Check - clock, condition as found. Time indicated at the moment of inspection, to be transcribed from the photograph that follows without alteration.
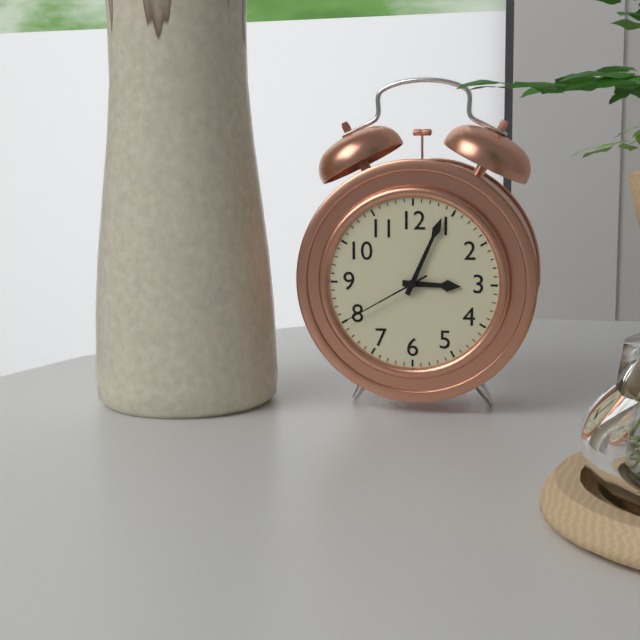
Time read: 3:04:40
